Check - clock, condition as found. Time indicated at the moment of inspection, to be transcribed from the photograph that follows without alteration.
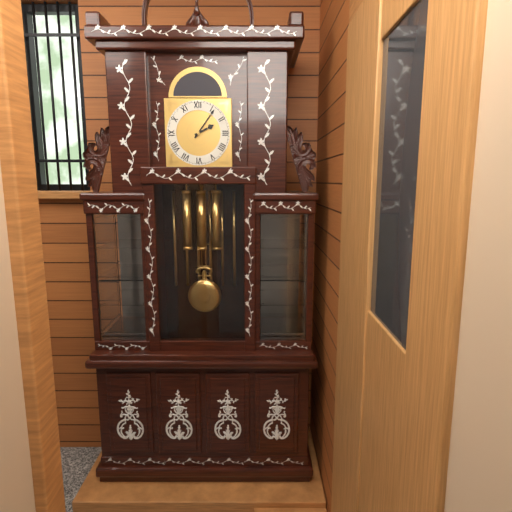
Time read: 2:06
